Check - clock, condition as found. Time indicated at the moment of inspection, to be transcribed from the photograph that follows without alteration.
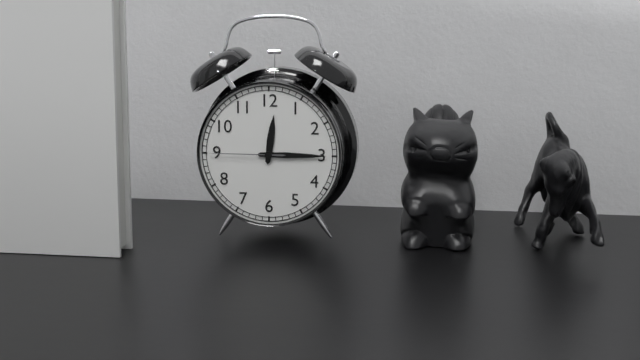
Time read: 12:15:45
